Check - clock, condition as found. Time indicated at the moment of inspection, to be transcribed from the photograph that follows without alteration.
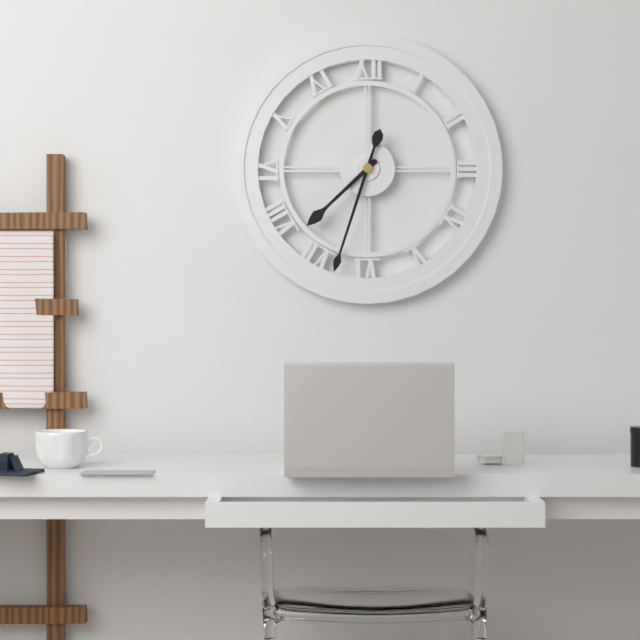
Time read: 7:33
